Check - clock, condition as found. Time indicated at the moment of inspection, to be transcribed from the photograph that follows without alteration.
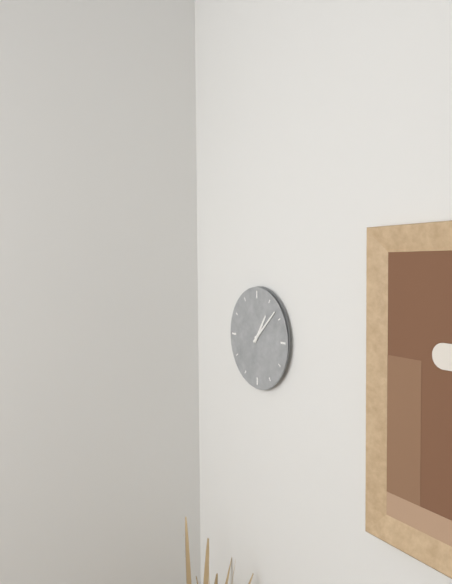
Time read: 1:08
